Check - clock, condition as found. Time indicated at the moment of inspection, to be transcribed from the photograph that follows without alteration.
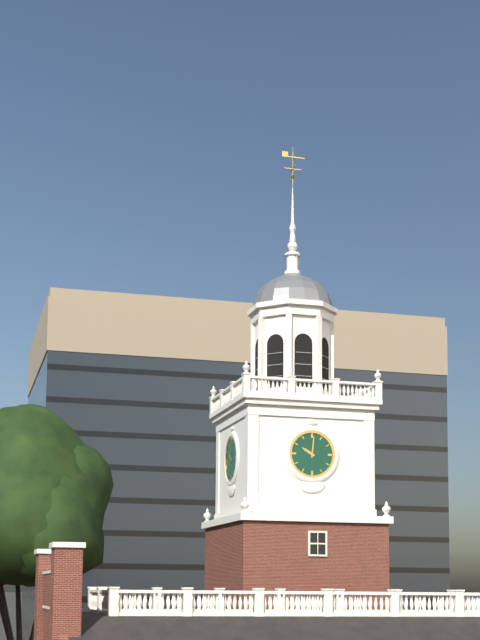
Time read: 10:01
